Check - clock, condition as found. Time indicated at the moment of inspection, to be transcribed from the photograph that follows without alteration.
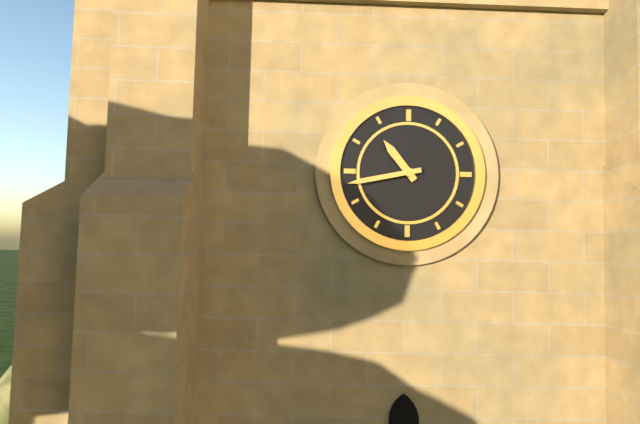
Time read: 10:43
